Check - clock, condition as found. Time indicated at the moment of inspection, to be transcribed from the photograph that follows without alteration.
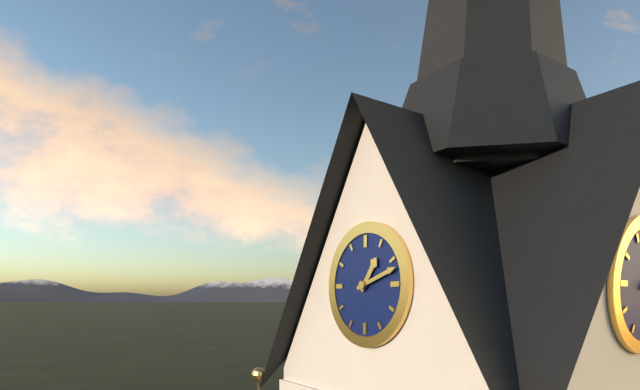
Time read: 1:12
